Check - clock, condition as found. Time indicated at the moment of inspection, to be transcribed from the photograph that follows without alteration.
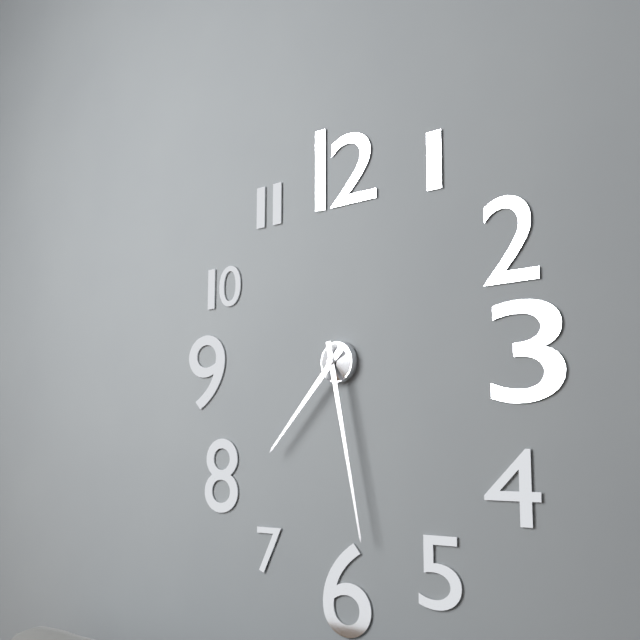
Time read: 7:28
